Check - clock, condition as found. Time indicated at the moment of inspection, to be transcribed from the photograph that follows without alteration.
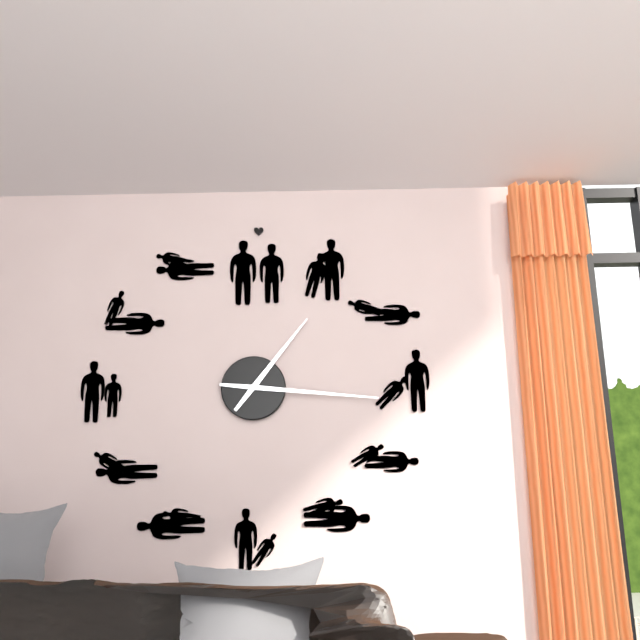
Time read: 1:16
